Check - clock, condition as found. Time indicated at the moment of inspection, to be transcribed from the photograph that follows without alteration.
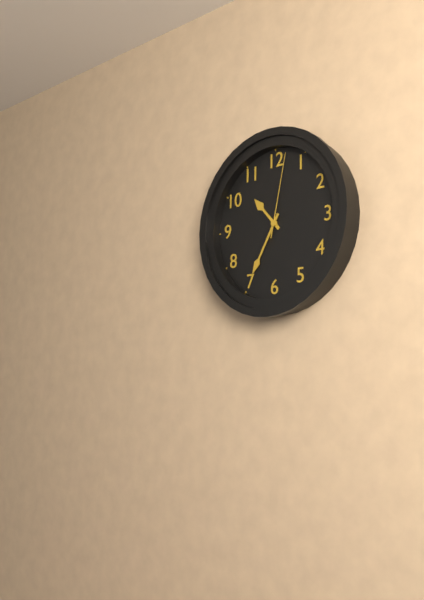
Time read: 10:35:02
